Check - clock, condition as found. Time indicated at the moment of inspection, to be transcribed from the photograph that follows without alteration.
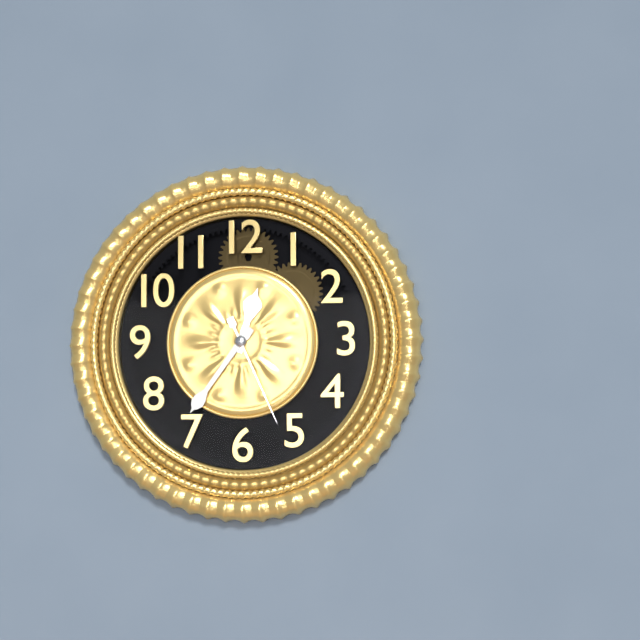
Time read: 12:36:26
